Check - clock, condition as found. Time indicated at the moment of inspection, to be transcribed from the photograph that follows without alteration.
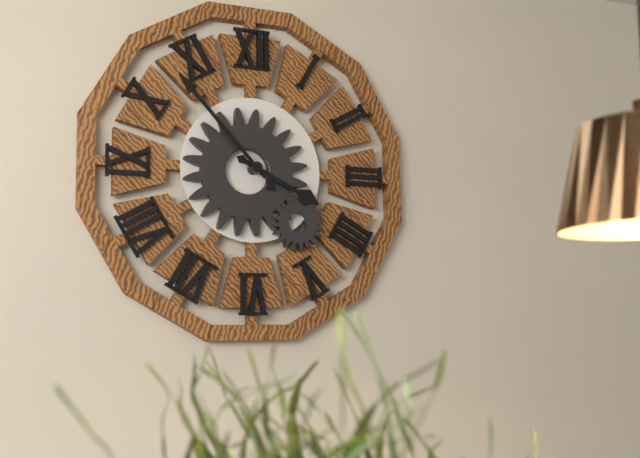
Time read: 3:53
